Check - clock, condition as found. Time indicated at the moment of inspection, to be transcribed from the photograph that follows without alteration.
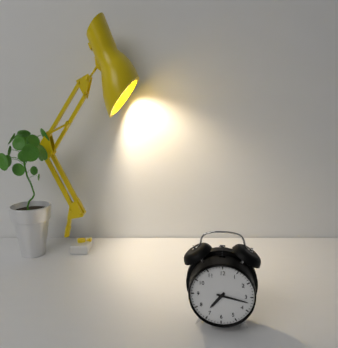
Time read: 7:17
